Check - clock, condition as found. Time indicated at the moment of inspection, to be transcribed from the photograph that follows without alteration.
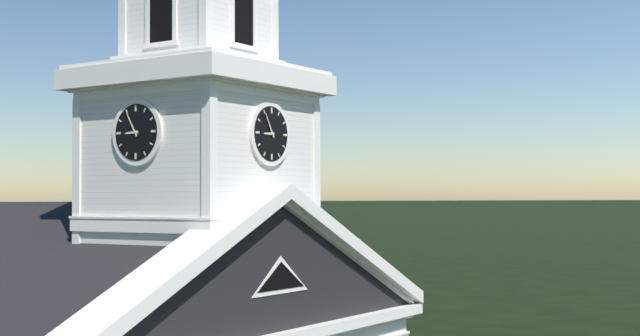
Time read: 8:55
